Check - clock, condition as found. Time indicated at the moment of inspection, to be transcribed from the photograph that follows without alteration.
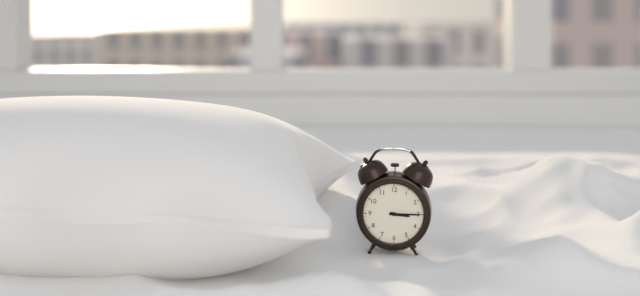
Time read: 3:15
